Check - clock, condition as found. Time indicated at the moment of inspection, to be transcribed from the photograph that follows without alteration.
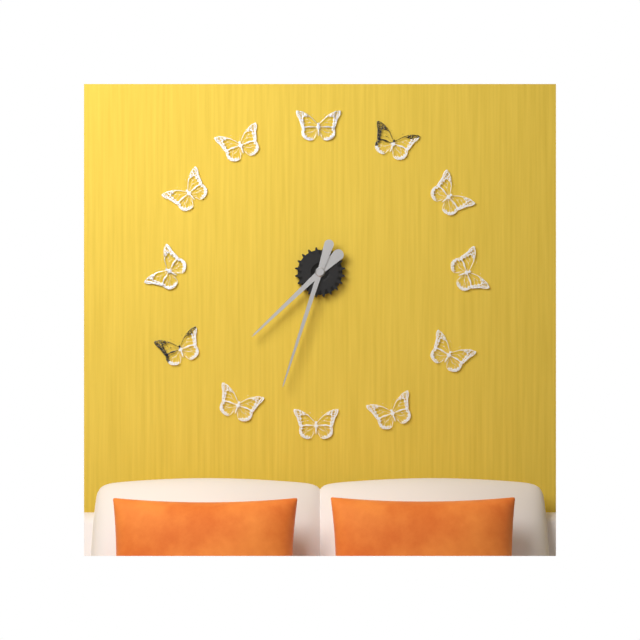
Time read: 7:33
